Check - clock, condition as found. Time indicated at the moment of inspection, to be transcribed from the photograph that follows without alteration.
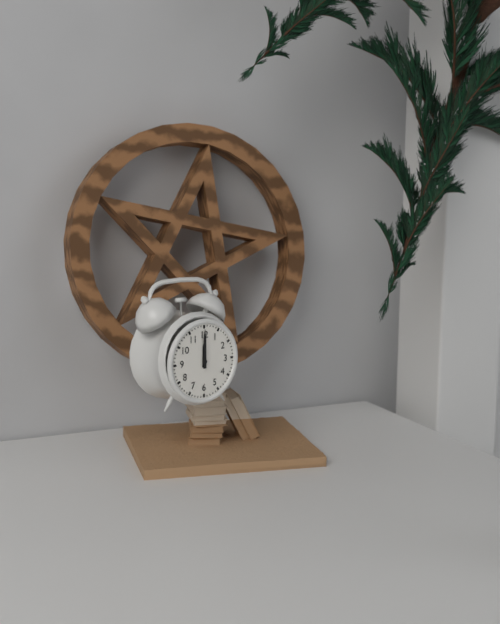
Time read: 12:00
